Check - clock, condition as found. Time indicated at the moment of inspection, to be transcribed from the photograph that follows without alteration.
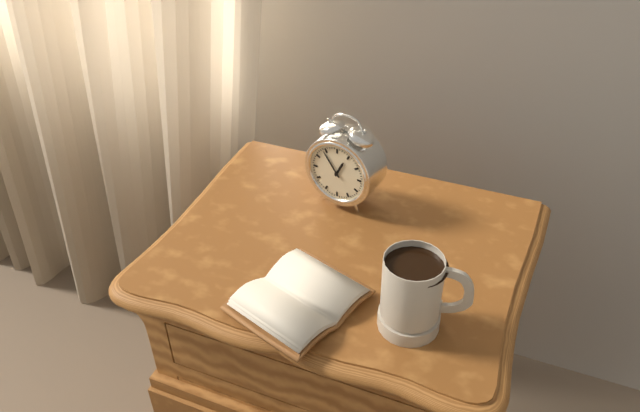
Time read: 12:54
